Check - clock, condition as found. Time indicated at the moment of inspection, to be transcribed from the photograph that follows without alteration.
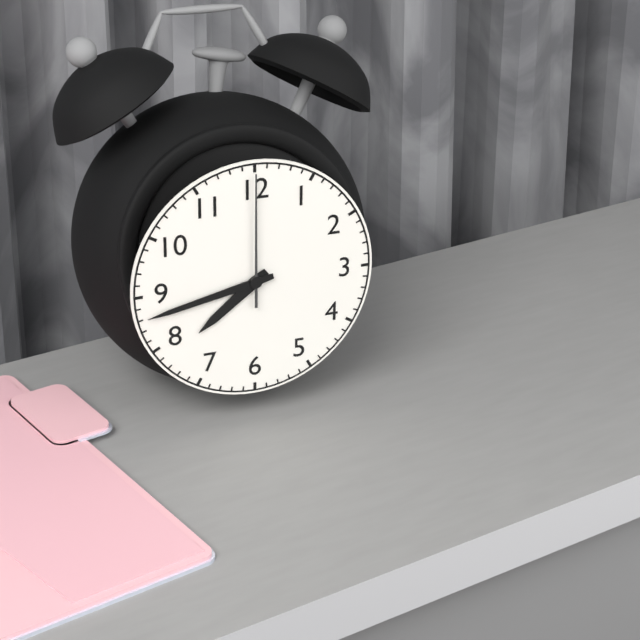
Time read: 7:43:00
